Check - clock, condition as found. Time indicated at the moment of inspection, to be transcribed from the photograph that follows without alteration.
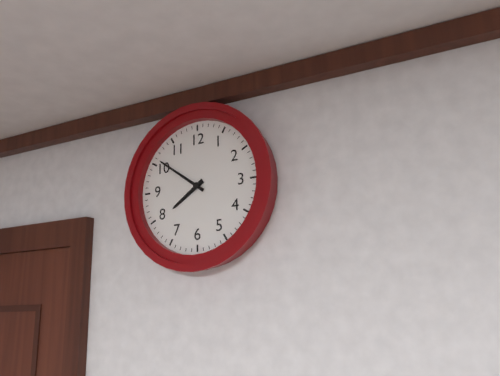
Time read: 7:51
